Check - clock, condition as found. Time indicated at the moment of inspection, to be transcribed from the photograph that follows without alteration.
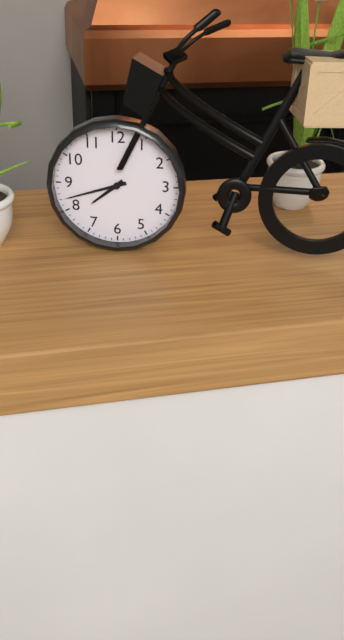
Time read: 7:42
